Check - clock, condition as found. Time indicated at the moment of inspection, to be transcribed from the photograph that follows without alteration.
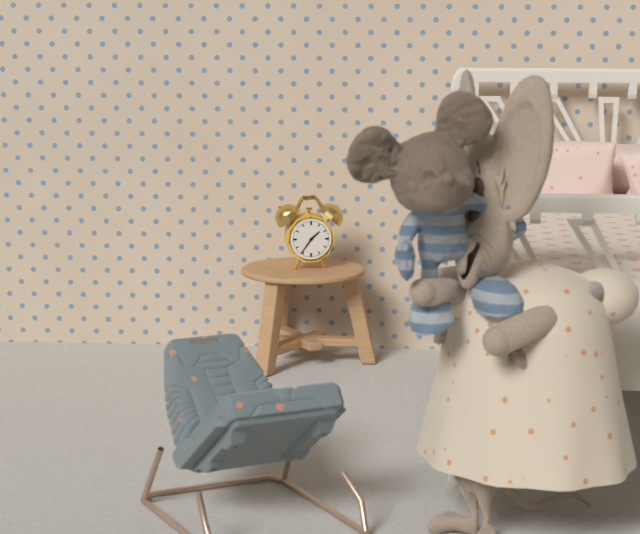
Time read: 1:36
